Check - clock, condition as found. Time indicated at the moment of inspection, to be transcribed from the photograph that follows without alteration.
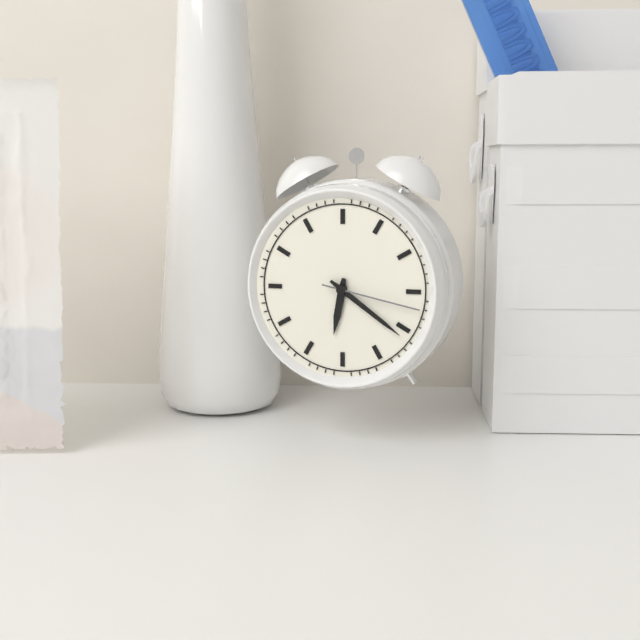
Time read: 6:21:17
